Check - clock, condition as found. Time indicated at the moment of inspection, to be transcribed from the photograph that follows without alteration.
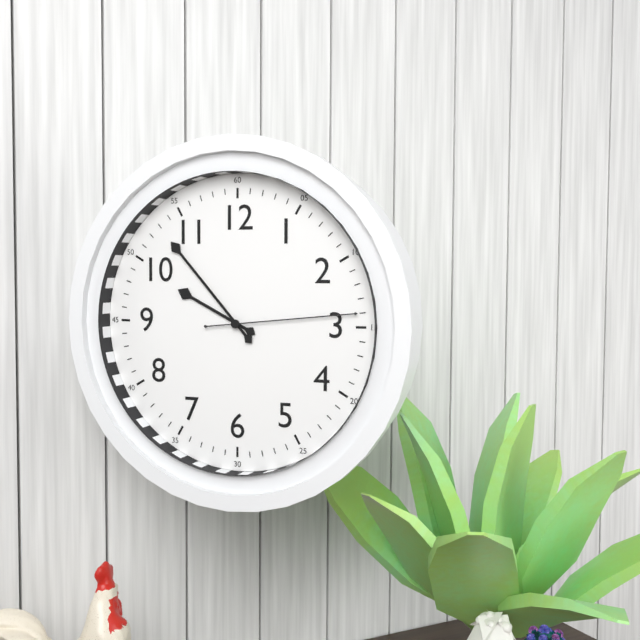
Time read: 9:53:14
